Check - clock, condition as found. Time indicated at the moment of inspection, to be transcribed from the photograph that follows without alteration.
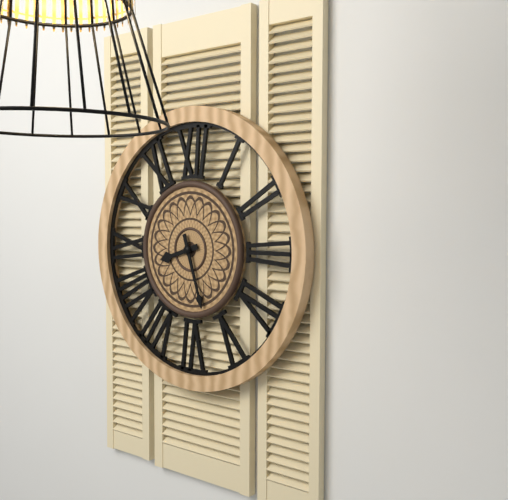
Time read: 8:27
